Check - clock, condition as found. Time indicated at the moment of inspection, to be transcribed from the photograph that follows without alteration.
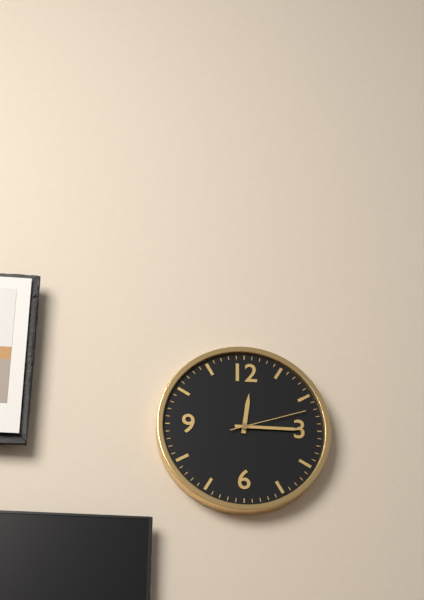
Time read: 12:15:12
